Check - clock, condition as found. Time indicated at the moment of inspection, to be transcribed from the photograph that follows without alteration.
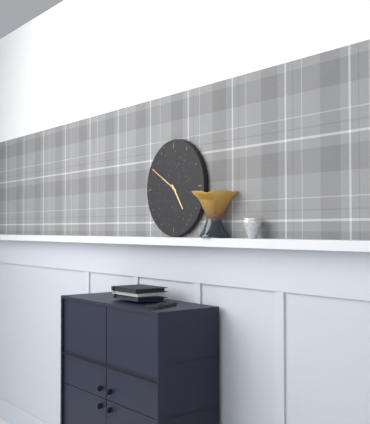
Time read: 4:50
